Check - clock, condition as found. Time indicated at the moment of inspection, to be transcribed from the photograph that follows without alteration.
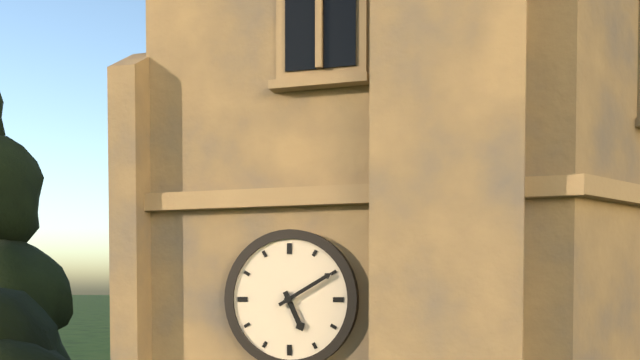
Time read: 5:10
